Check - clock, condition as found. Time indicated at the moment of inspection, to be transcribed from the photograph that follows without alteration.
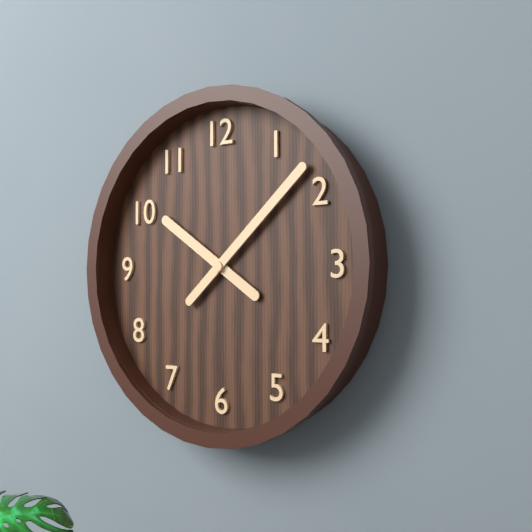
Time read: 10:08
